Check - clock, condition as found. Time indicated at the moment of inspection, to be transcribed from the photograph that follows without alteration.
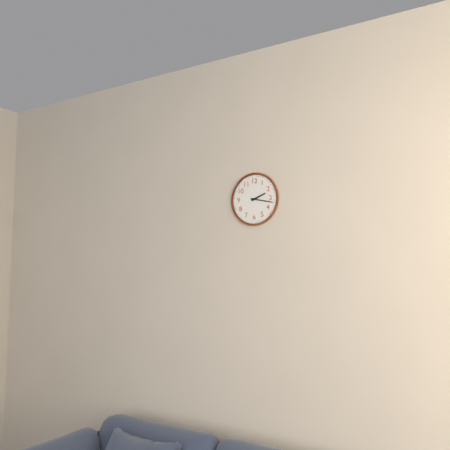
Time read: 2:17
